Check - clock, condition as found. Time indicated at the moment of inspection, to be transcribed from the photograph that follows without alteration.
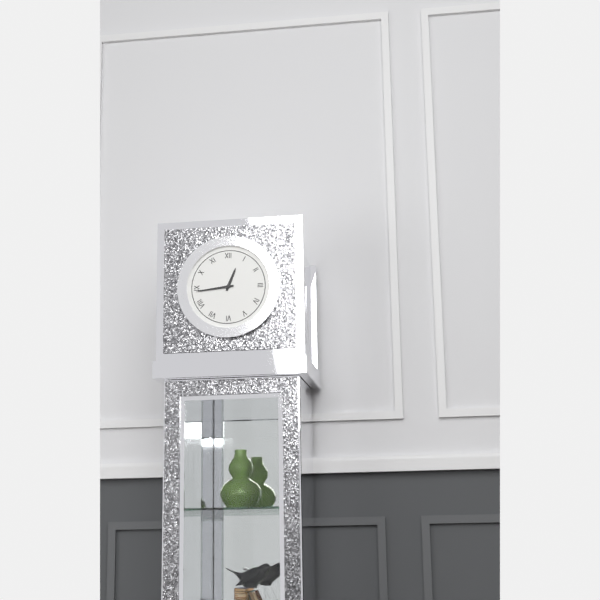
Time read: 12:44
